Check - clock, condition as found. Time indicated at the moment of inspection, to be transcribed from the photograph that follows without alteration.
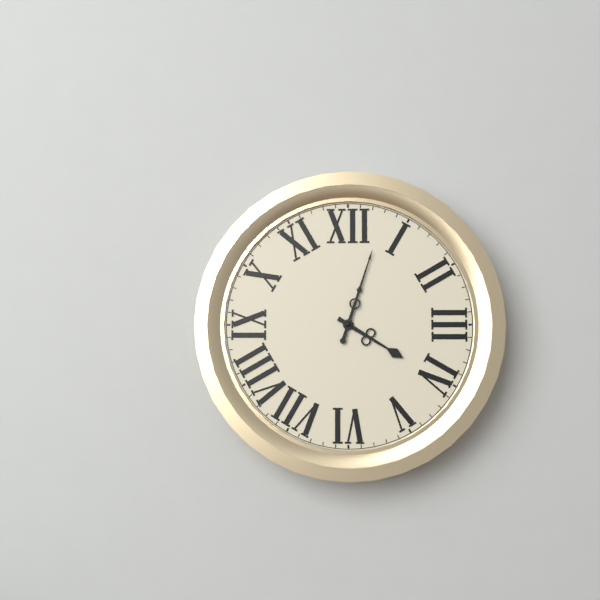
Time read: 4:03
